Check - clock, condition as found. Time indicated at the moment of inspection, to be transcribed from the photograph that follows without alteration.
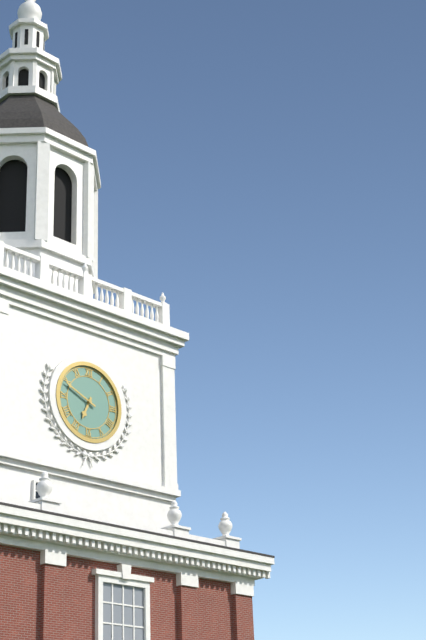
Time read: 6:49
